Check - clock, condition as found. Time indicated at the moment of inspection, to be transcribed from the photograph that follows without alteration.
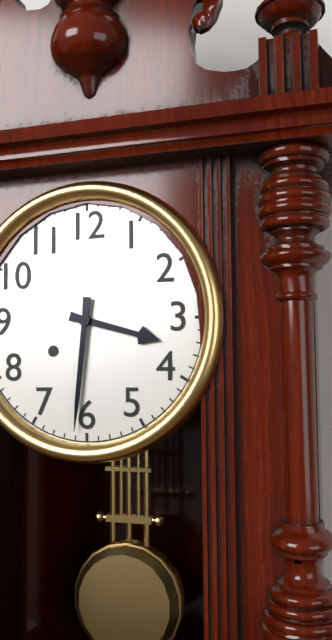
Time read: 3:31
